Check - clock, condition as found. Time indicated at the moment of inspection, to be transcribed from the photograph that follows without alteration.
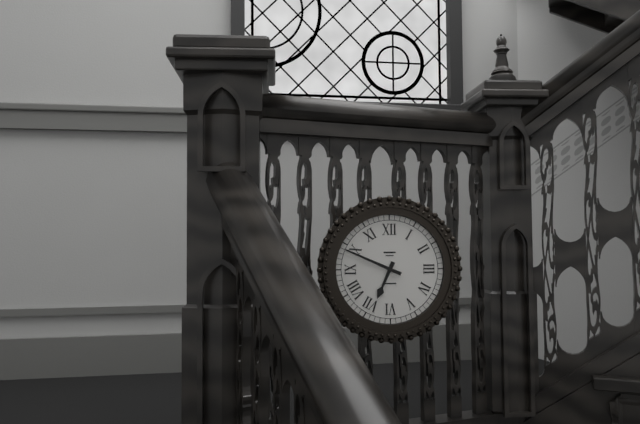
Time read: 6:49
